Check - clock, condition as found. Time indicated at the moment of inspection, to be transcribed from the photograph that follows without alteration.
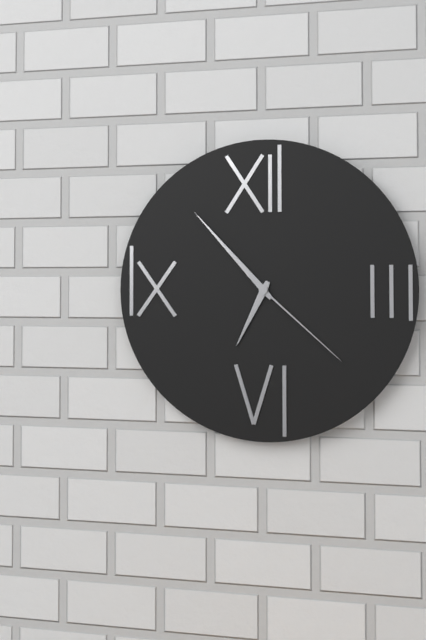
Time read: 6:53:22
